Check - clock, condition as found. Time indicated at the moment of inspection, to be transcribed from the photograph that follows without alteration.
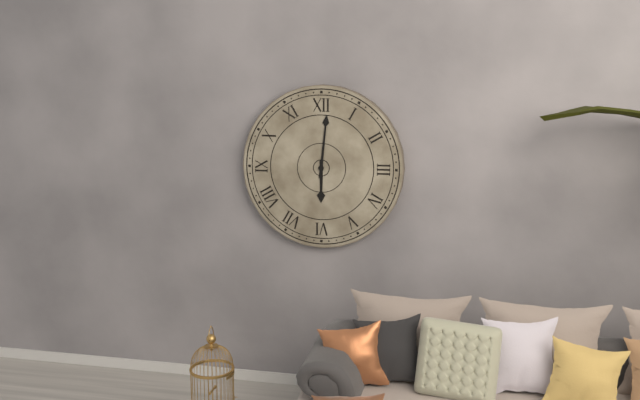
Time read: 6:01
